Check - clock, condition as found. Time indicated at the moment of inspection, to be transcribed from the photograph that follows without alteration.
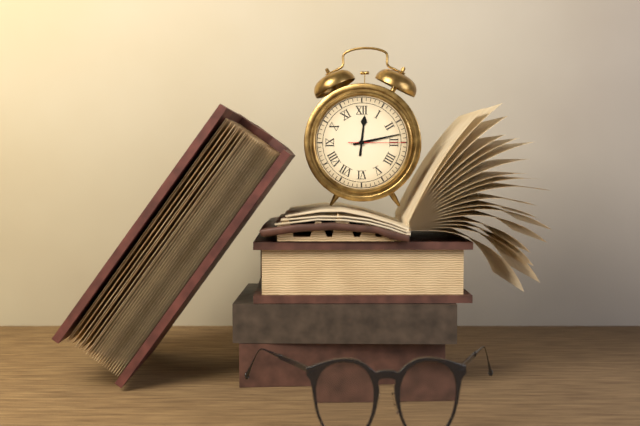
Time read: 12:13:15
